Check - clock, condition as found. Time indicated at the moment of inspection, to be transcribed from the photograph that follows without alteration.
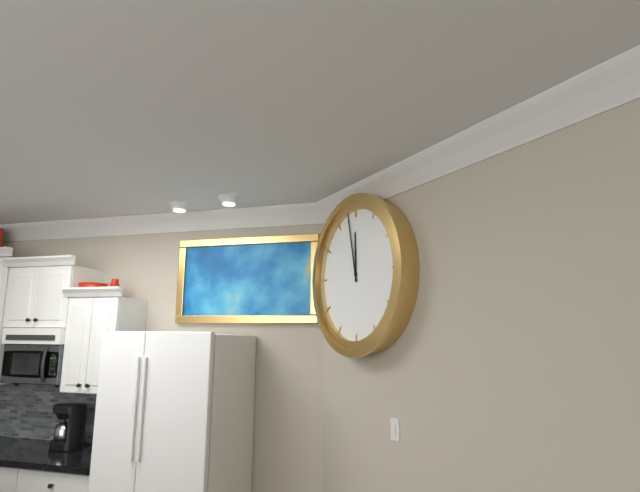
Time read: 11:58
